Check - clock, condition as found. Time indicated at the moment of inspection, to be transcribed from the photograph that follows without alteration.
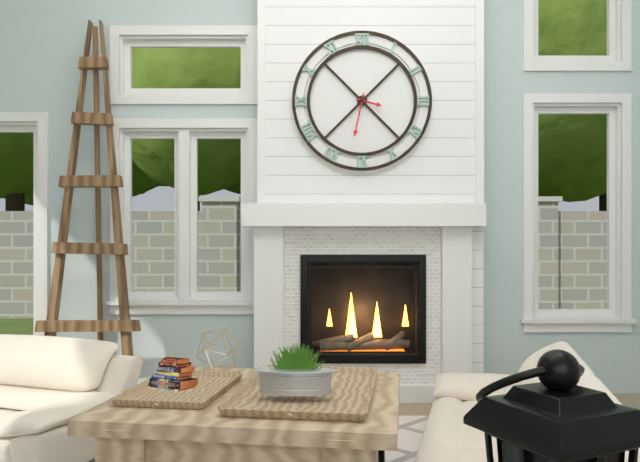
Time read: 3:32
